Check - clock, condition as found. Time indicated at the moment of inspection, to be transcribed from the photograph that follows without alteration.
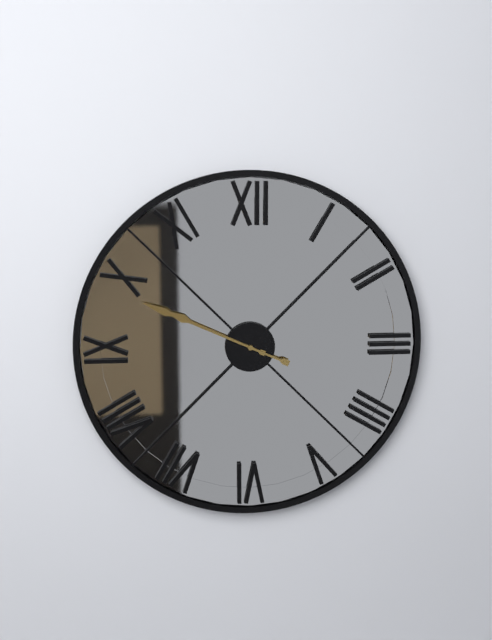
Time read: 9:49
